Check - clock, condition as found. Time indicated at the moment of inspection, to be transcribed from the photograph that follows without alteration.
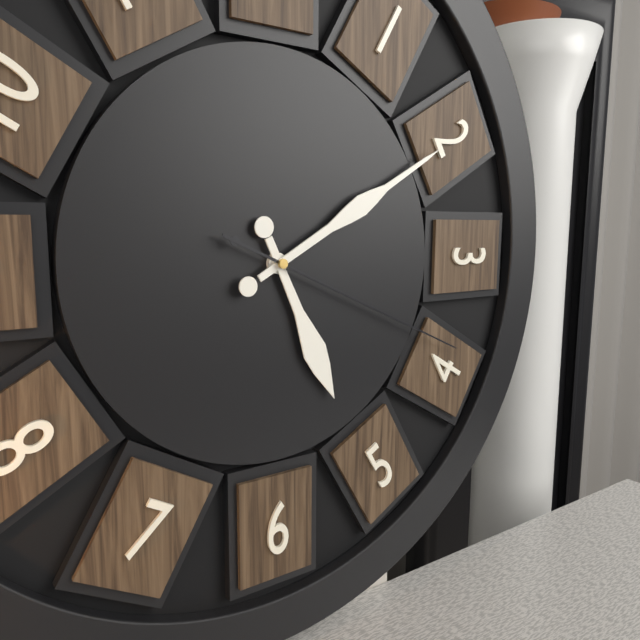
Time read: 5:10:19
